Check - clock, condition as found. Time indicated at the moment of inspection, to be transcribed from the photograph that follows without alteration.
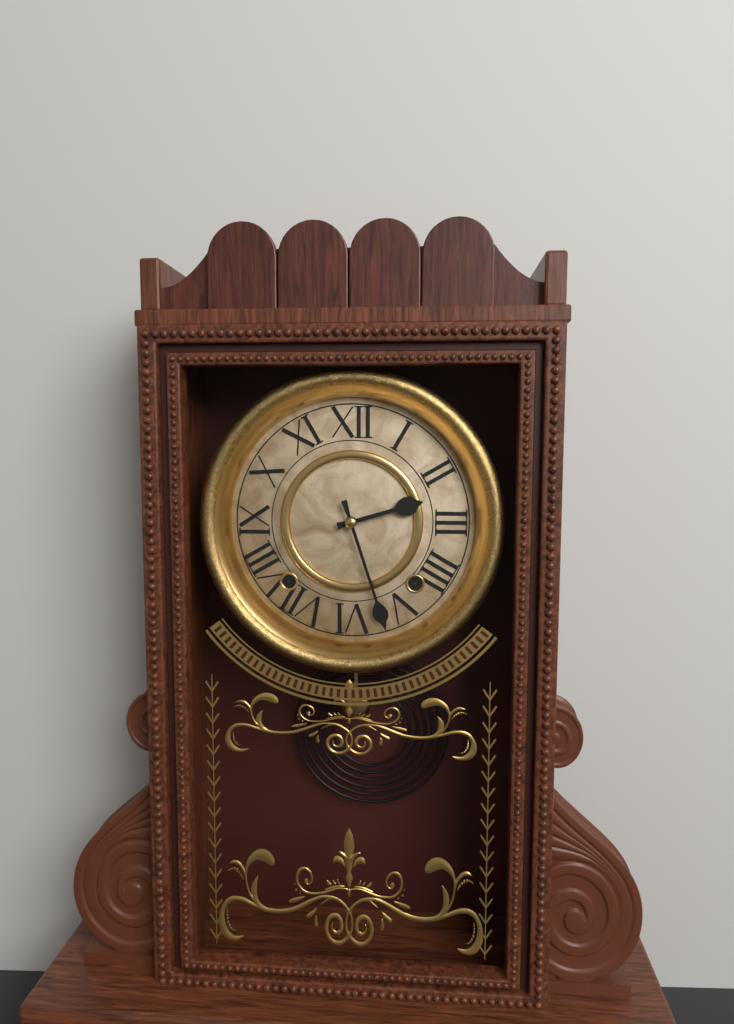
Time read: 2:27
